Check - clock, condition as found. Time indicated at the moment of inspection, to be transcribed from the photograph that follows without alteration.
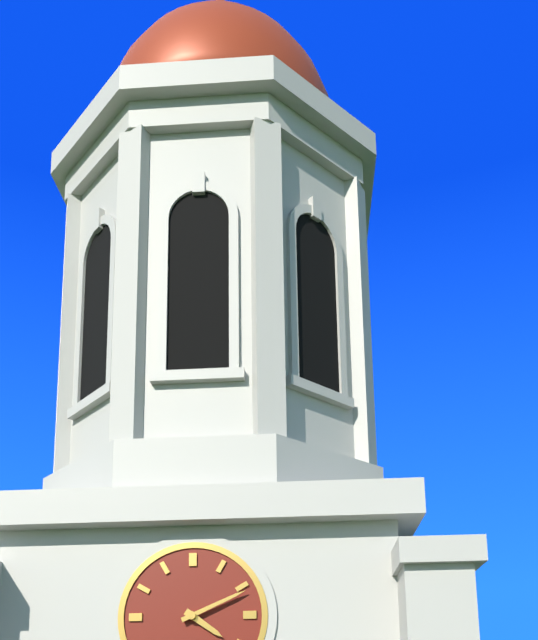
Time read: 4:11
